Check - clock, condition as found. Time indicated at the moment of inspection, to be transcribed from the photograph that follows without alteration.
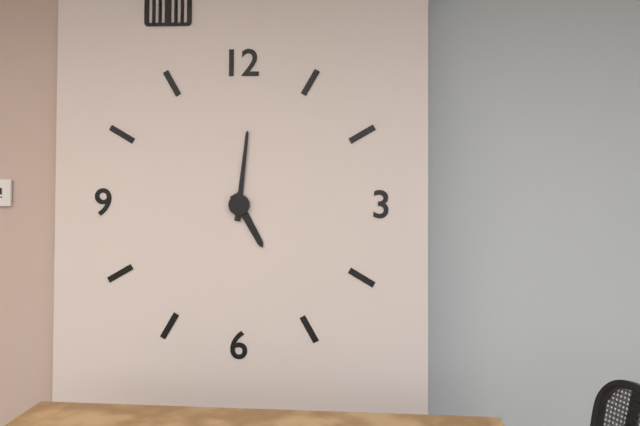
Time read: 5:01
